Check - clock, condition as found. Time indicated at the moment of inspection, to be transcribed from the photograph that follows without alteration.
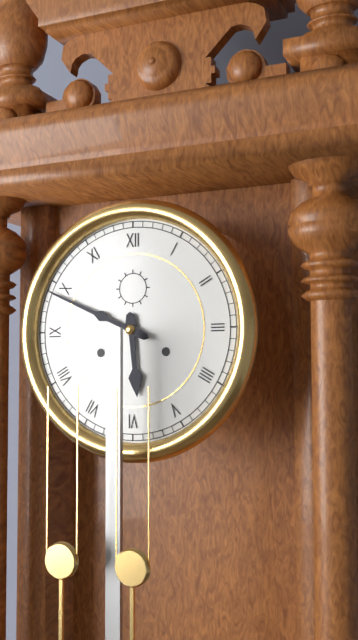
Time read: 5:49
